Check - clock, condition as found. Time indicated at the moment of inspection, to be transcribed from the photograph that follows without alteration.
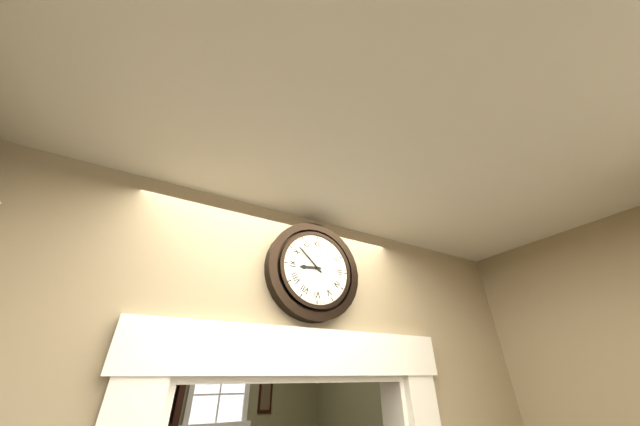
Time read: 8:52
